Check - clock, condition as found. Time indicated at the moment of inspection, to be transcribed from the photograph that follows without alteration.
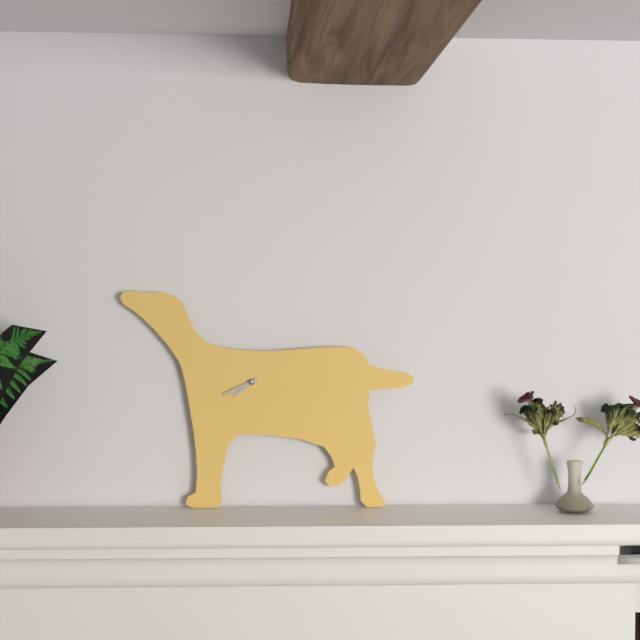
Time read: 7:41
